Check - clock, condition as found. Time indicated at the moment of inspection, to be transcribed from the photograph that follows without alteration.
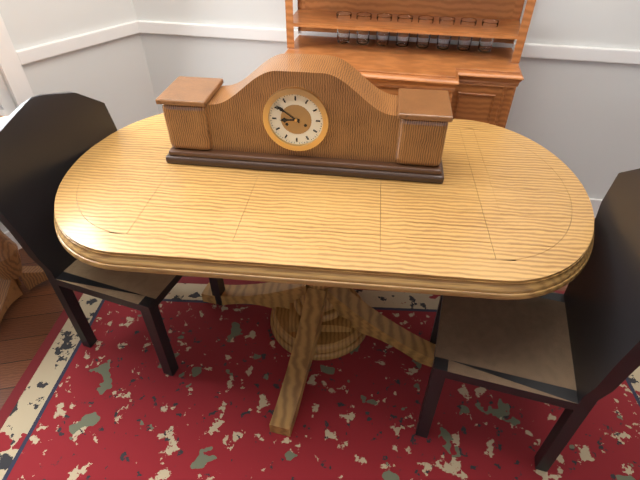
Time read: 8:51
